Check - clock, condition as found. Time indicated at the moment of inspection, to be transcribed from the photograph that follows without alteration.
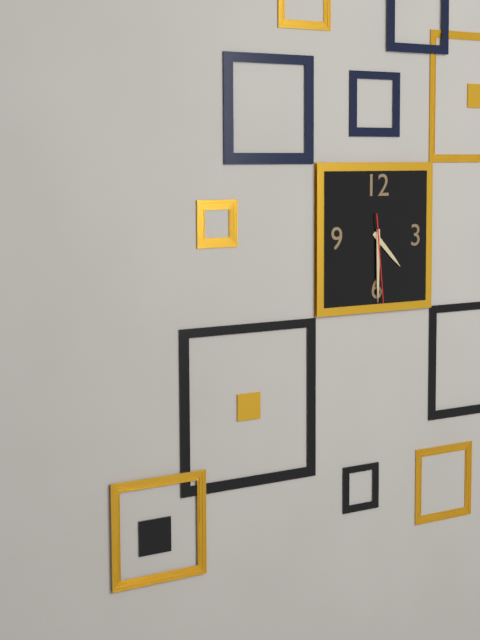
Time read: 4:30:29
